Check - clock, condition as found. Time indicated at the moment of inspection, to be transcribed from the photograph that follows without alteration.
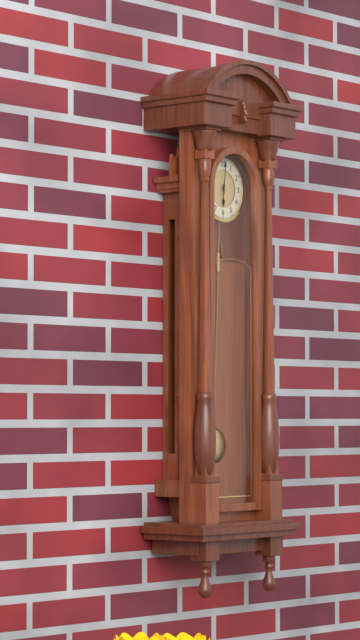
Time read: 6:01
